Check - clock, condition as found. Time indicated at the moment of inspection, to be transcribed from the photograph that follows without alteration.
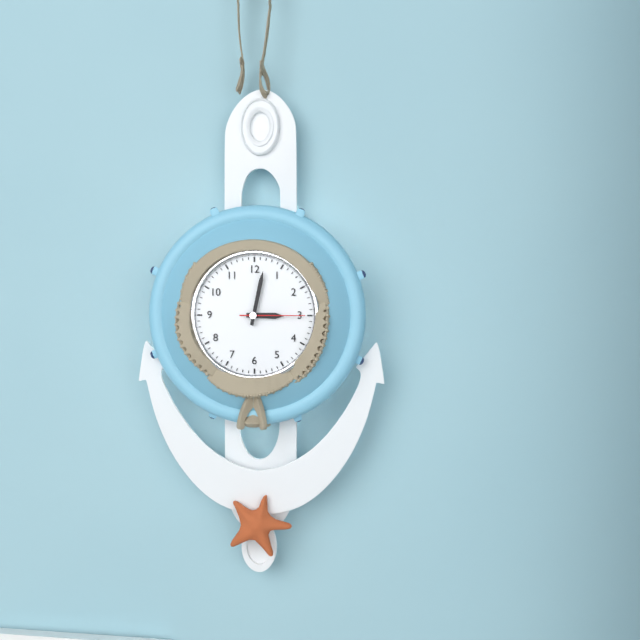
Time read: 3:02:15
